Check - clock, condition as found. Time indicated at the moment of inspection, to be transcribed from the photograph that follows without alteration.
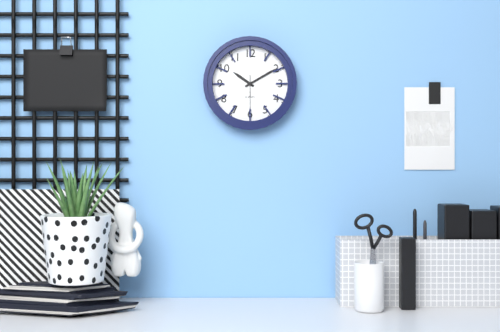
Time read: 10:10
